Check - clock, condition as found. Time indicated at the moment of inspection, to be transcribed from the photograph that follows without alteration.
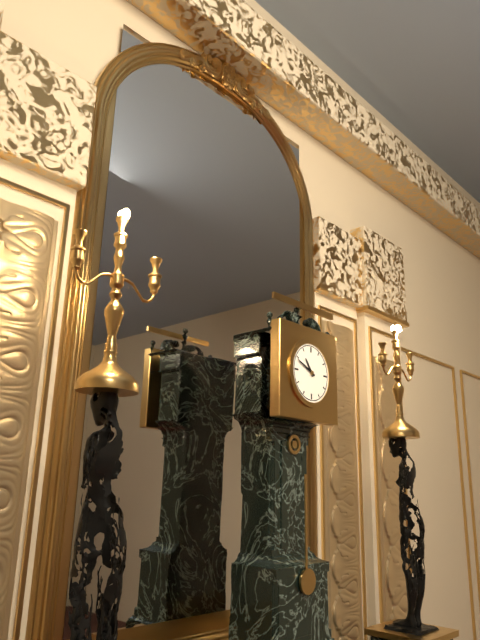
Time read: 10:49
